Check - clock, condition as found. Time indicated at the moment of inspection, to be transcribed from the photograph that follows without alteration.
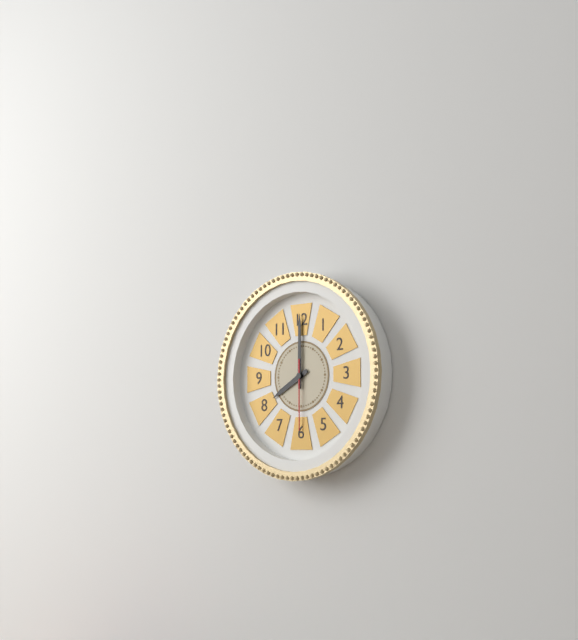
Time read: 8:00:30
